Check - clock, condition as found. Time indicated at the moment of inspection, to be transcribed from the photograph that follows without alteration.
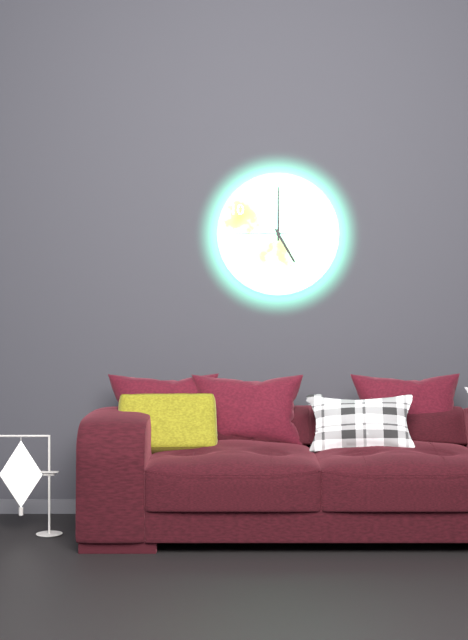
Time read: 5:00:45
